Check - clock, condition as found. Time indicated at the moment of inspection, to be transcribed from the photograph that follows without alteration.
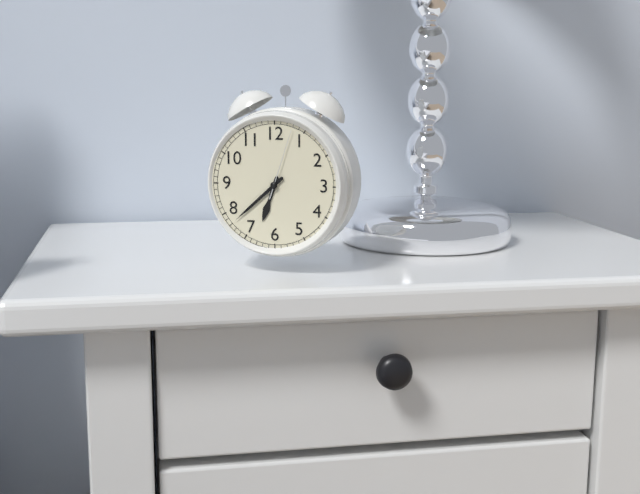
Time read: 6:38:03
